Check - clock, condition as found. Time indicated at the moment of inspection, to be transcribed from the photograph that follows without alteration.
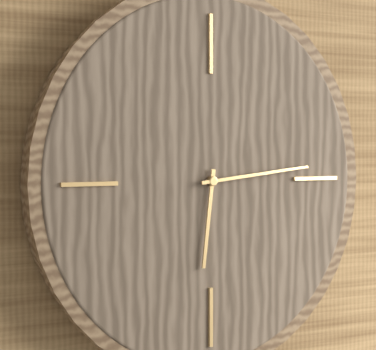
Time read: 6:14
